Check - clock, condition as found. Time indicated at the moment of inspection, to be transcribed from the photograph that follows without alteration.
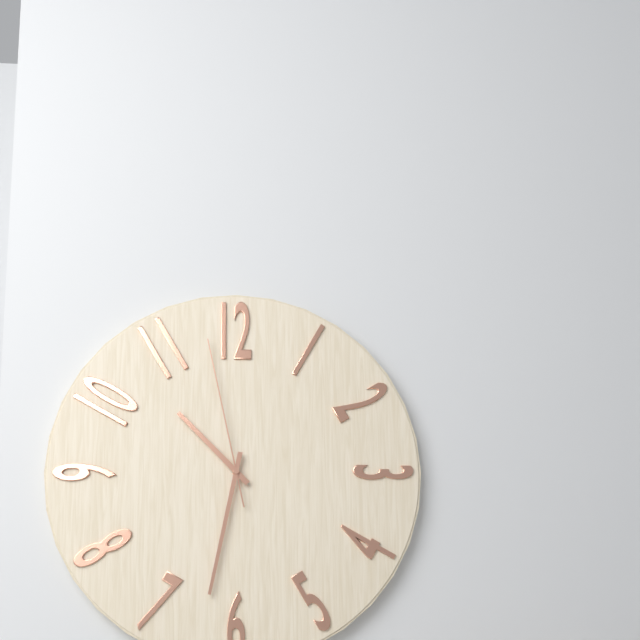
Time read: 10:32:58
